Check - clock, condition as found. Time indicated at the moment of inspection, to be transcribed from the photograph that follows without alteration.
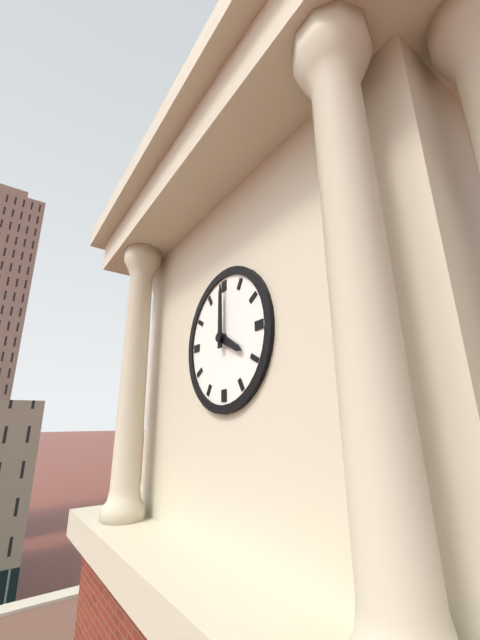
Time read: 4:00
